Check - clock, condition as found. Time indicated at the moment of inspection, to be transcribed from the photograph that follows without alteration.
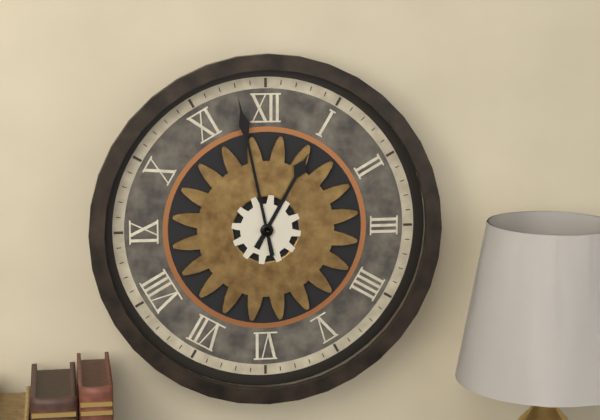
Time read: 12:58
